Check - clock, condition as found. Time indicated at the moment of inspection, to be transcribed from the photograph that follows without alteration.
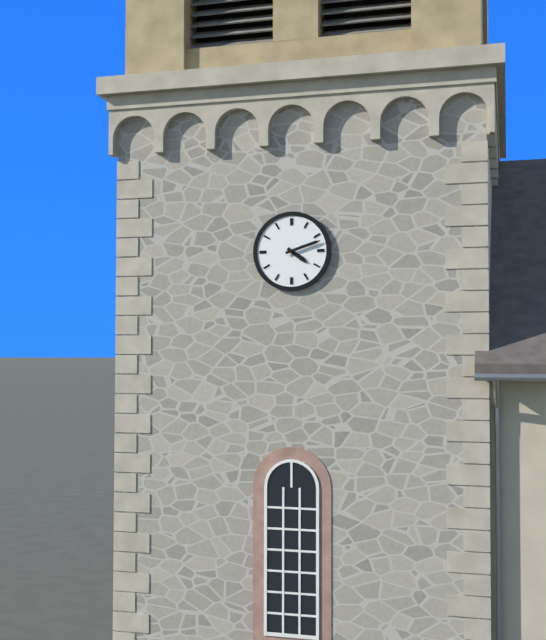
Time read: 4:12
